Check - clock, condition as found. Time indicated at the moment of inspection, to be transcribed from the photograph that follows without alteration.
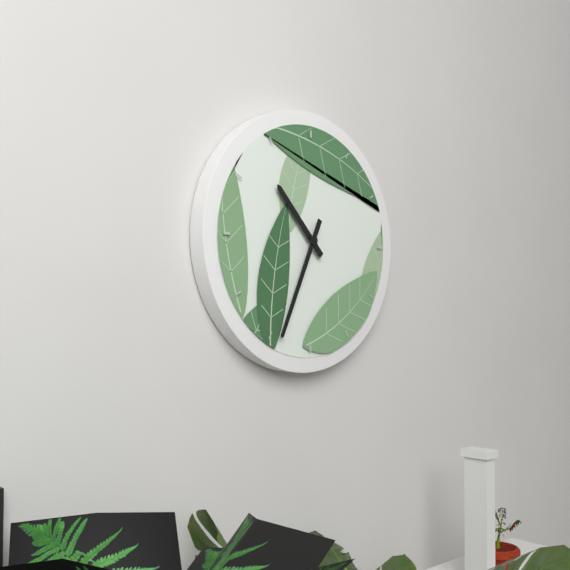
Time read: 10:34
